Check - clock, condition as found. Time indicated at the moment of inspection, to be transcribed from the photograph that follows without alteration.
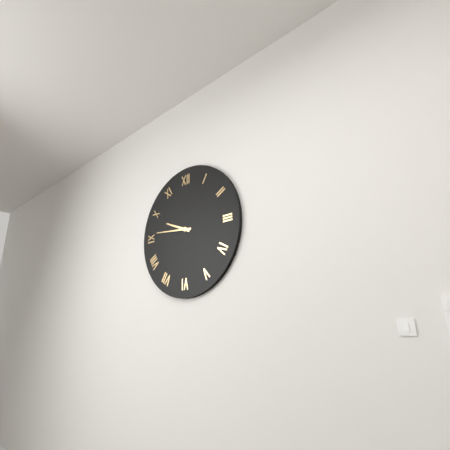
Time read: 9:46
